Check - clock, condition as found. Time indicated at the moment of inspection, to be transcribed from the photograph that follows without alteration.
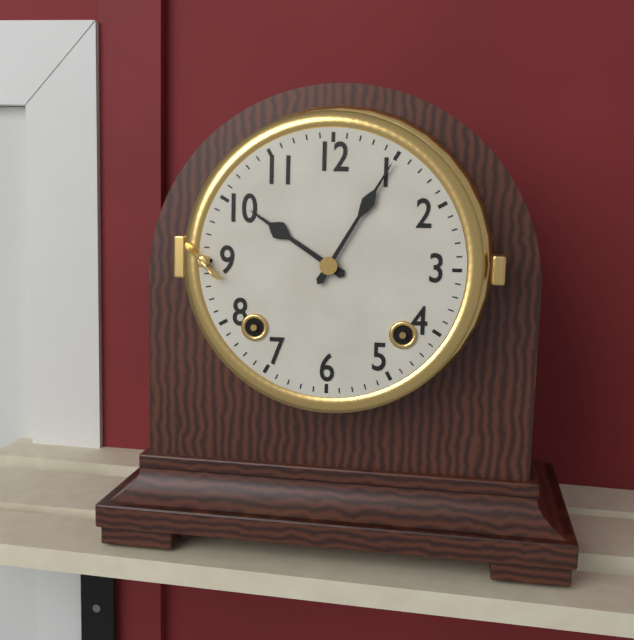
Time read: 10:05
